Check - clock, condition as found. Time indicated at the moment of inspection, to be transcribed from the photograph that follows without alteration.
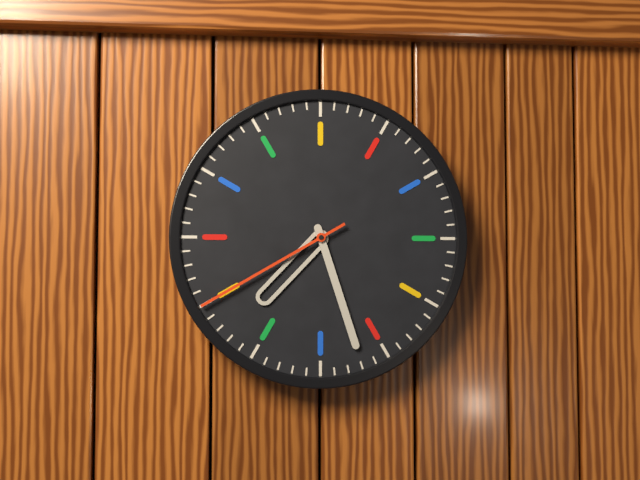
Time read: 7:27:40
